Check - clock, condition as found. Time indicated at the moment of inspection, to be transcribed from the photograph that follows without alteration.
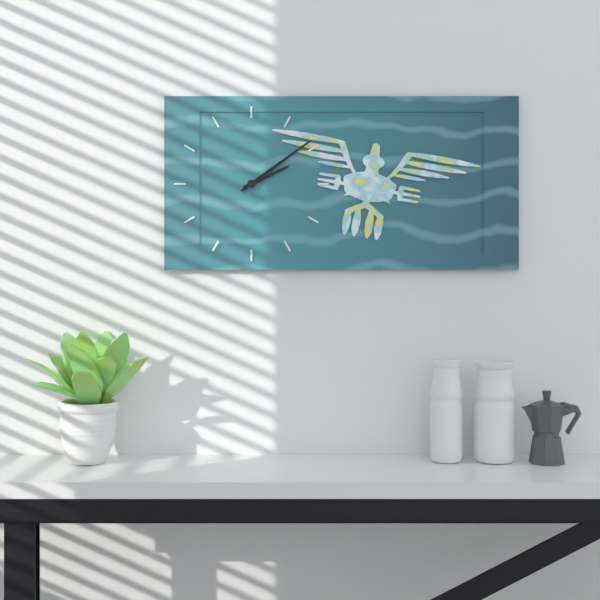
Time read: 2:09
